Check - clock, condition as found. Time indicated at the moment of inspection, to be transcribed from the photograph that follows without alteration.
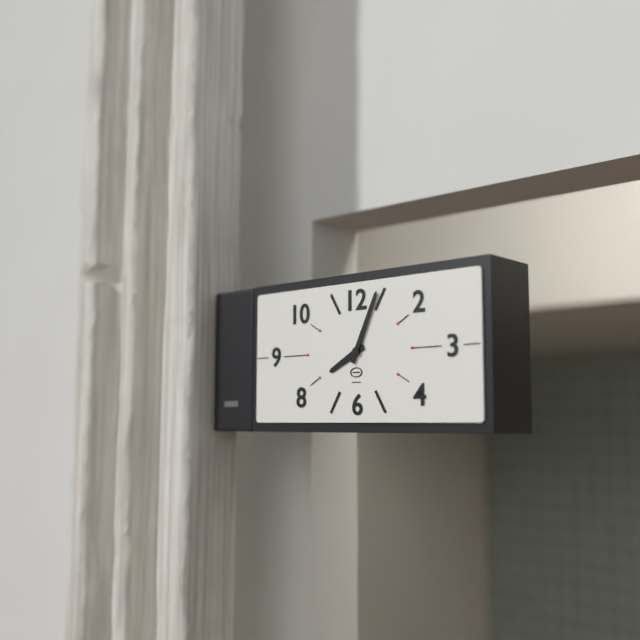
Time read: 8:04
